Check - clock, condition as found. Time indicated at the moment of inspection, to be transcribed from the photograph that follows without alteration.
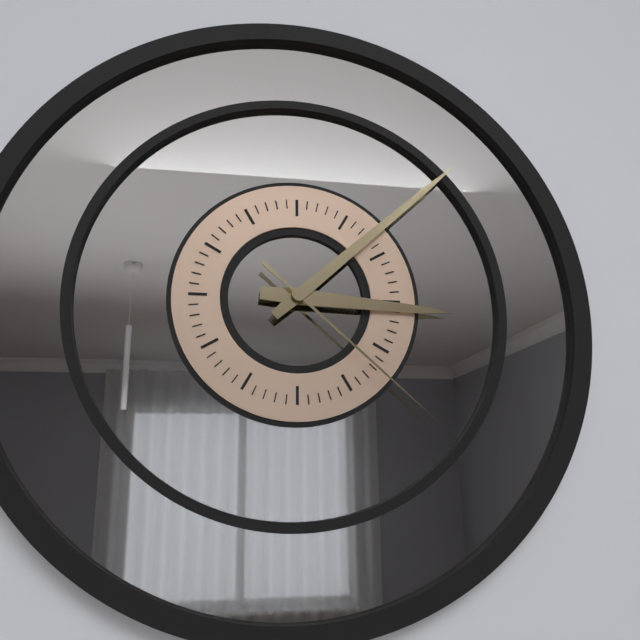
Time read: 3:08:22
